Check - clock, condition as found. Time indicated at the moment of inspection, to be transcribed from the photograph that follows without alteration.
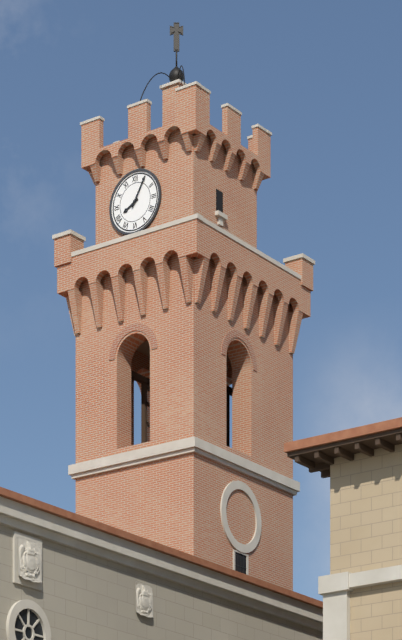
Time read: 8:05
